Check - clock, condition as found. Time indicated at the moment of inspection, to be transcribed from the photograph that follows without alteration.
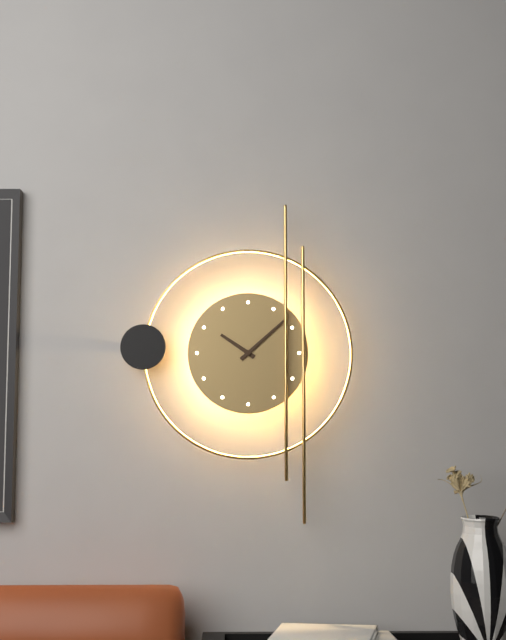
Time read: 10:08
